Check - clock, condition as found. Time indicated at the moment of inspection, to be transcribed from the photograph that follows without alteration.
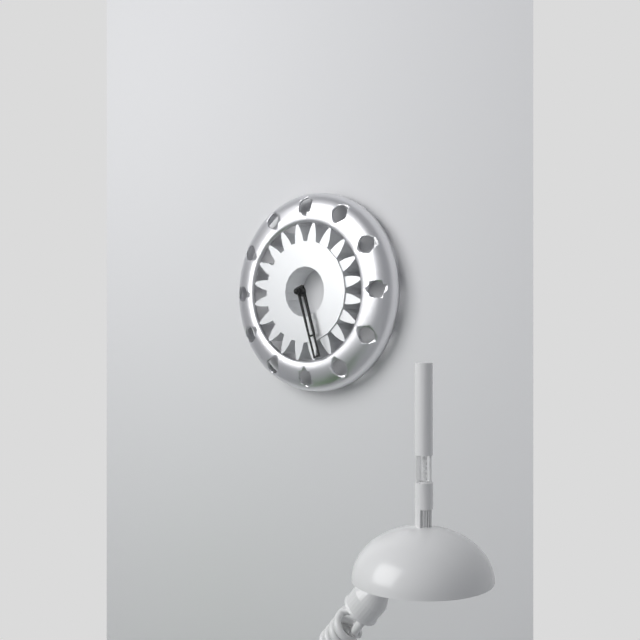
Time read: 5:27
